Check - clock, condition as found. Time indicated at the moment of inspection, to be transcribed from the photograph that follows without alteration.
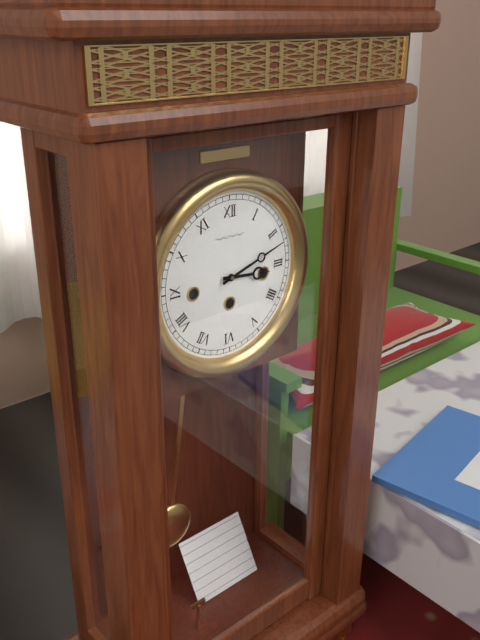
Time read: 3:12
